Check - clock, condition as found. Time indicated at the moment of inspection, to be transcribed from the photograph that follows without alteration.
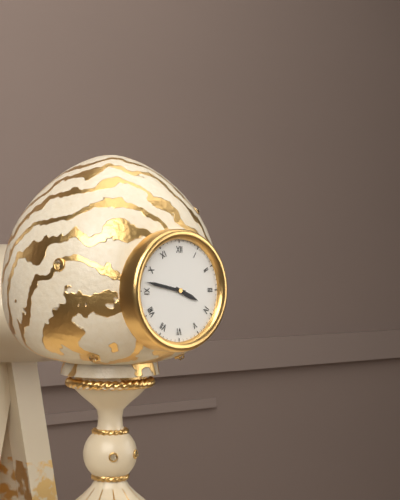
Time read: 3:47
